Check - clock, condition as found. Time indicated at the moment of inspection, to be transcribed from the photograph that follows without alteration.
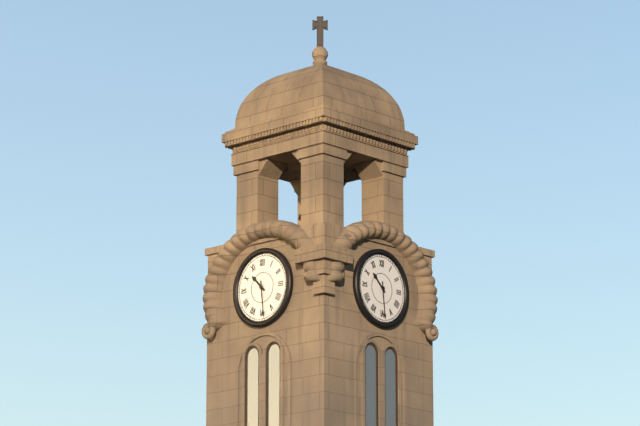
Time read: 10:29
